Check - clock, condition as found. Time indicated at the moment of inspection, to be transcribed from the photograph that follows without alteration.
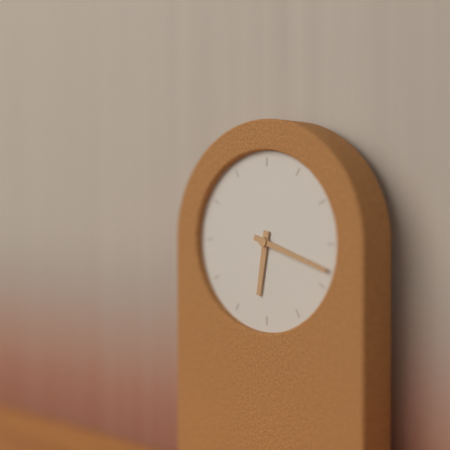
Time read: 6:18
